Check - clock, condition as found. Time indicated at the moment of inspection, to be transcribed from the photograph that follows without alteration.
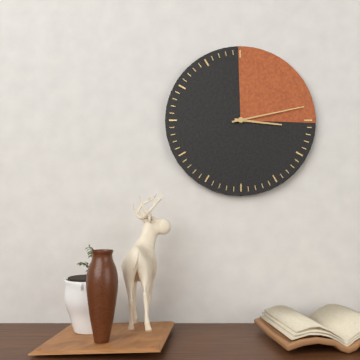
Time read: 3:13
